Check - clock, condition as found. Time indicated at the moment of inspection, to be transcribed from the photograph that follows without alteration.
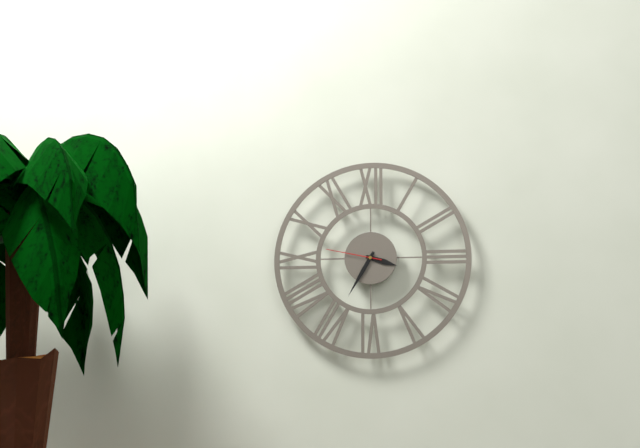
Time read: 3:35:47
